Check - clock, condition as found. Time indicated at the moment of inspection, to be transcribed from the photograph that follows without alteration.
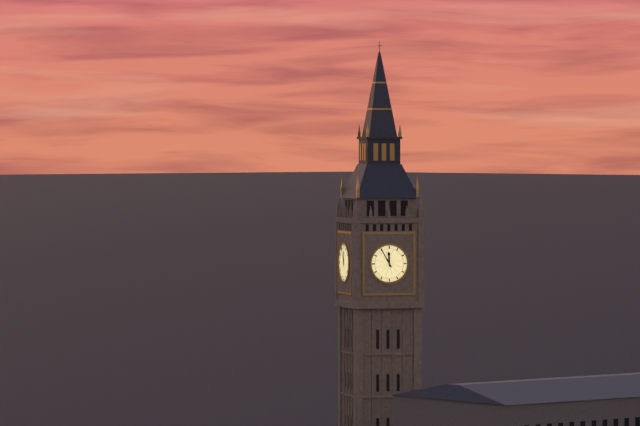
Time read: 11:55
